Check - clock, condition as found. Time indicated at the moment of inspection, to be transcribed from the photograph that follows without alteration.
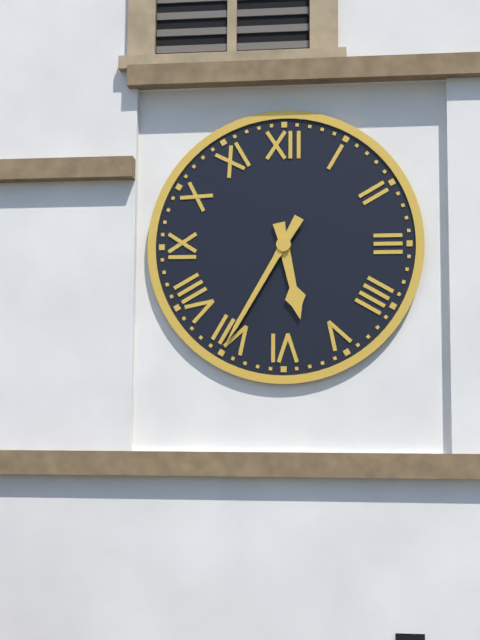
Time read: 5:35
